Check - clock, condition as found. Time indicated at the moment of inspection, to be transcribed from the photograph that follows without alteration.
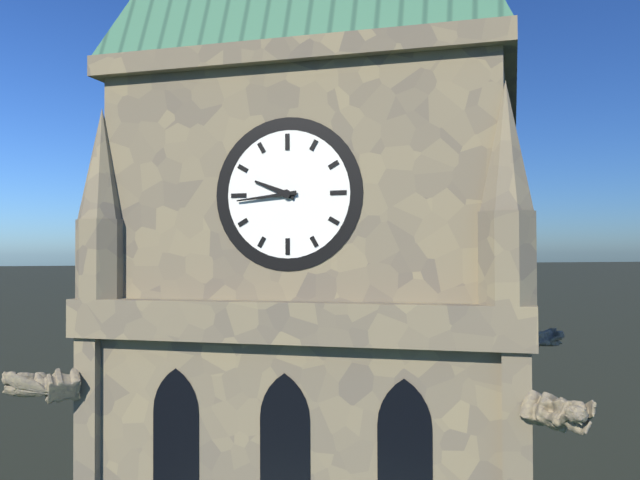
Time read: 9:44
